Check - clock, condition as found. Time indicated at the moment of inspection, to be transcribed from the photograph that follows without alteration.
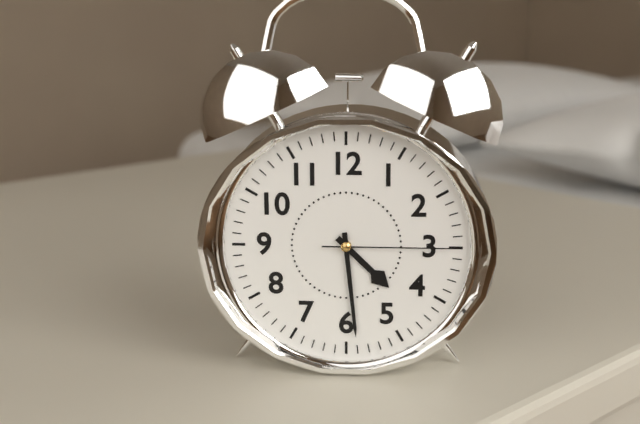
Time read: 4:29:15
